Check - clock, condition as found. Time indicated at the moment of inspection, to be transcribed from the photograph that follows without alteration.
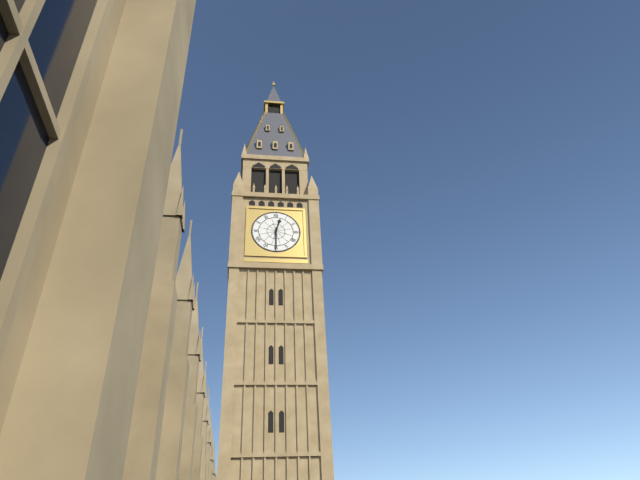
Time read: 12:30
